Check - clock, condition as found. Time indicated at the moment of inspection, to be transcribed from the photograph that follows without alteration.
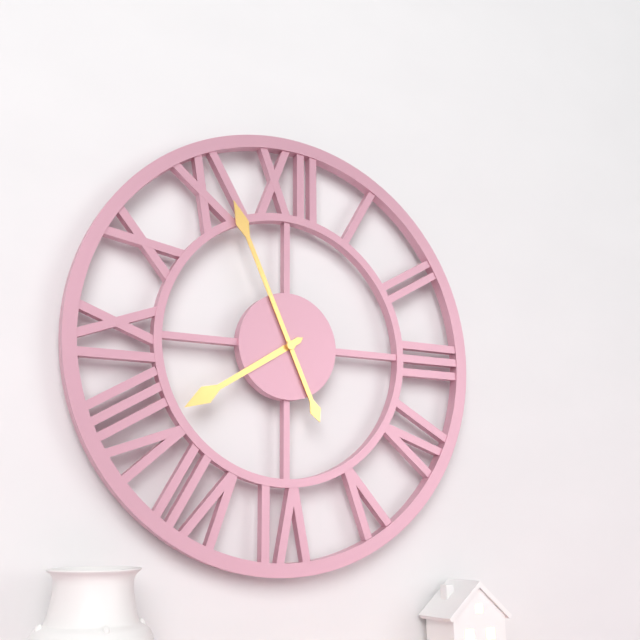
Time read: 7:56
